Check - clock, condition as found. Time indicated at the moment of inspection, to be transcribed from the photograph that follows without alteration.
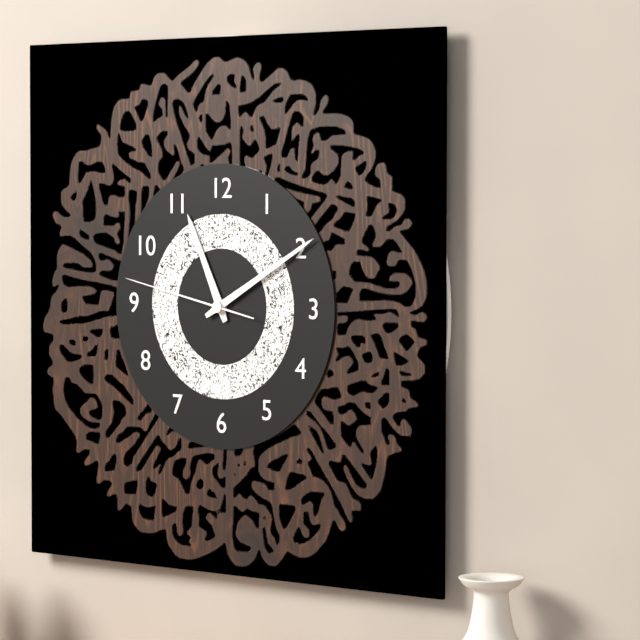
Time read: 11:10:47
